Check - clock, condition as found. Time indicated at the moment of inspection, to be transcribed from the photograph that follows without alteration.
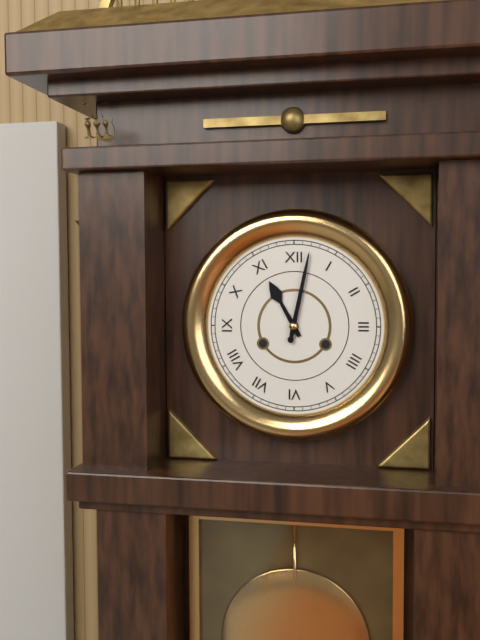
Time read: 11:02
